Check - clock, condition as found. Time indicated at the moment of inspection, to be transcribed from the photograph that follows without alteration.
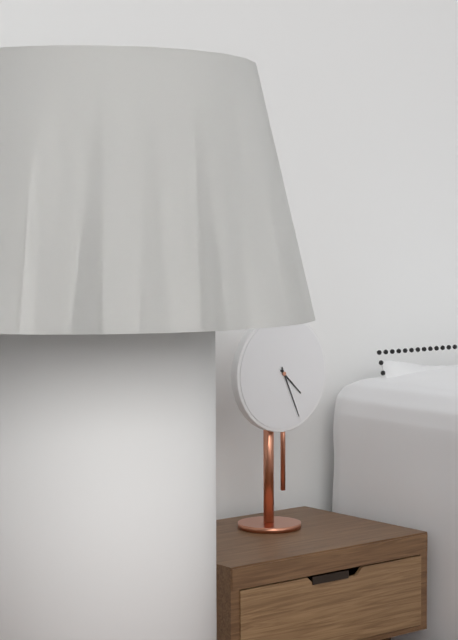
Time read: 4:26
